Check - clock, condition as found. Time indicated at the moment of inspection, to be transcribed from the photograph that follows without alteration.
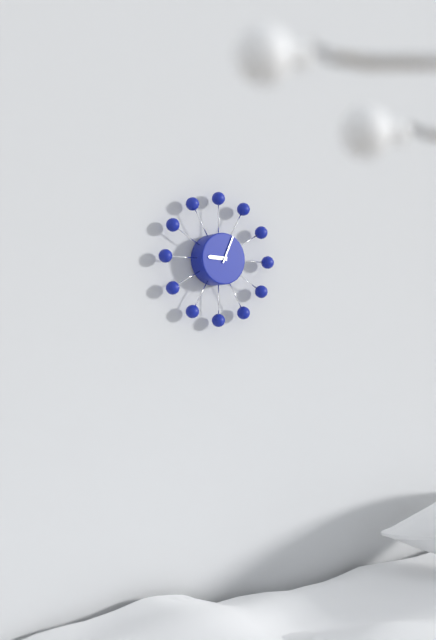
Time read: 9:04
